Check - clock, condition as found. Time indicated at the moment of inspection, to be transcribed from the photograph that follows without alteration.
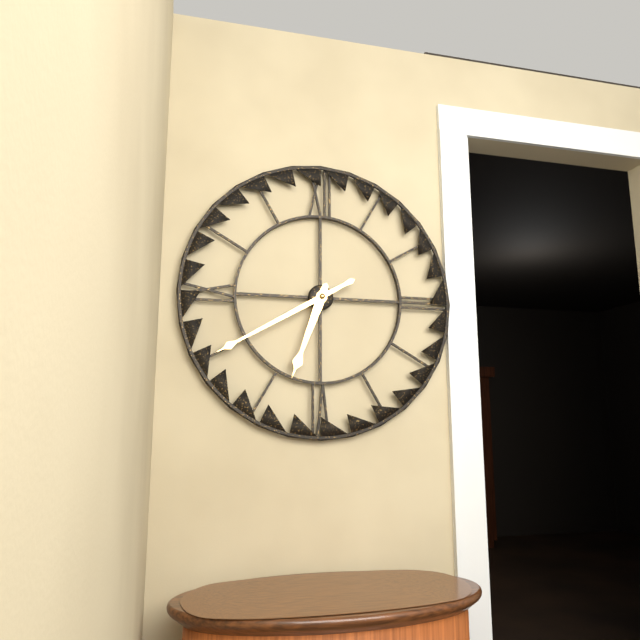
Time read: 6:40
